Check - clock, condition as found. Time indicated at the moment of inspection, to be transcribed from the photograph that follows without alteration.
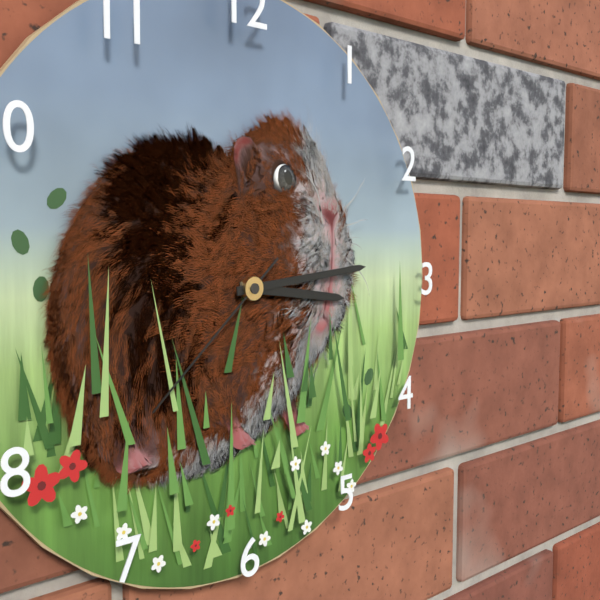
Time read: 3:14:38
